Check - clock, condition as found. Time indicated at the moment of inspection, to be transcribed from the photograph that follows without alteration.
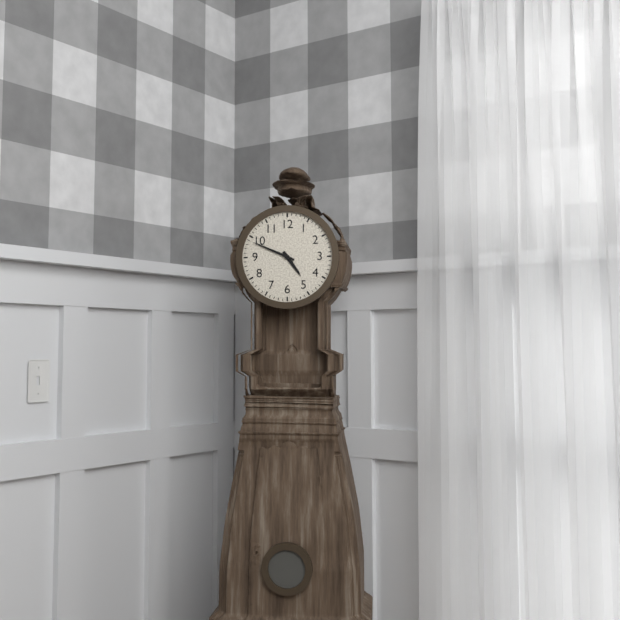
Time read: 4:49
